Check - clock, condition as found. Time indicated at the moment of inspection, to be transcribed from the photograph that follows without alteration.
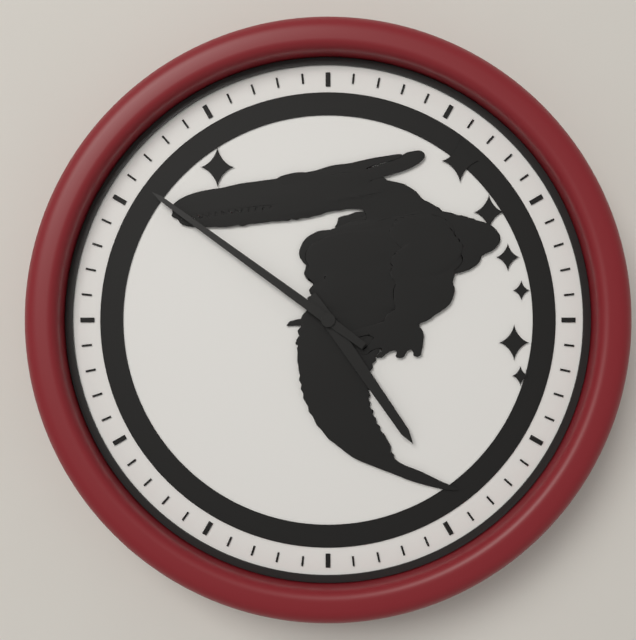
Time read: 4:51
